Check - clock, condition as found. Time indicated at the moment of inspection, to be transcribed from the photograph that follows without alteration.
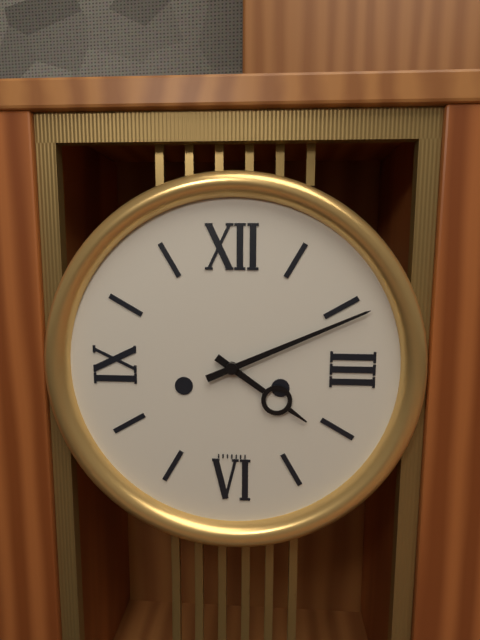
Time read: 4:11
